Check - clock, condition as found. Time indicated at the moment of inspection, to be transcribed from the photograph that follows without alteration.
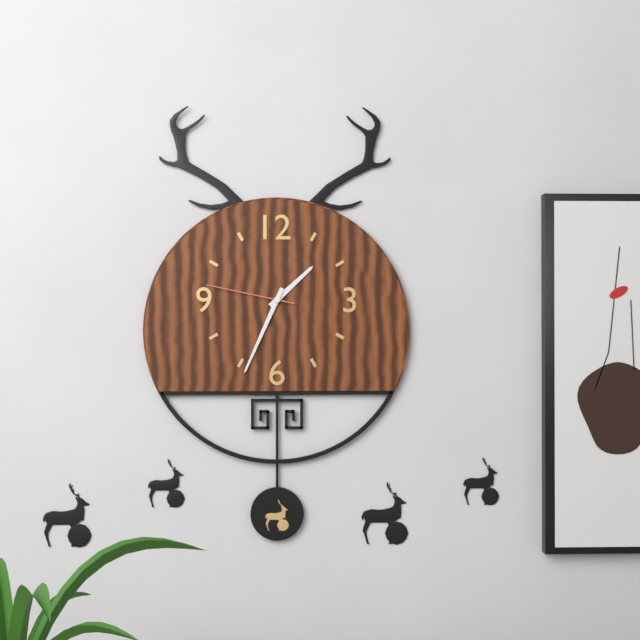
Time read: 1:34:47
